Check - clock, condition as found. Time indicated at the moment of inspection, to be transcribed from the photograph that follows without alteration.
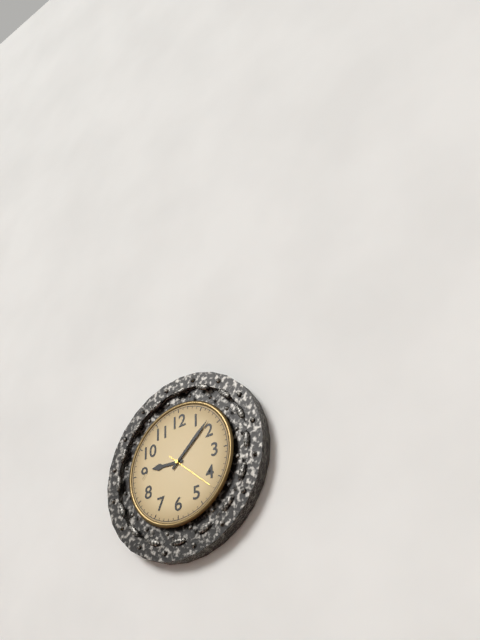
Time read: 9:08
